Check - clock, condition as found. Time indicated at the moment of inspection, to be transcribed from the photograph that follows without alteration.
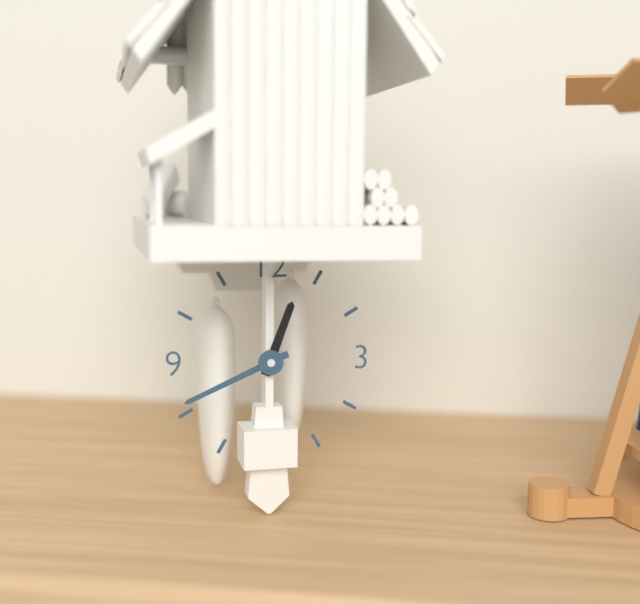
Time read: 12:41
